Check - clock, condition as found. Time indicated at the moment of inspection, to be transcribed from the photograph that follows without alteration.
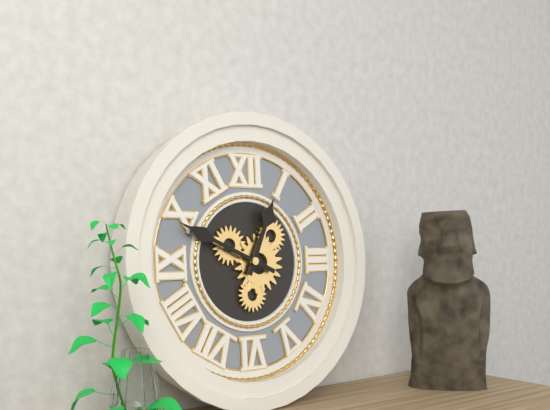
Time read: 12:49
